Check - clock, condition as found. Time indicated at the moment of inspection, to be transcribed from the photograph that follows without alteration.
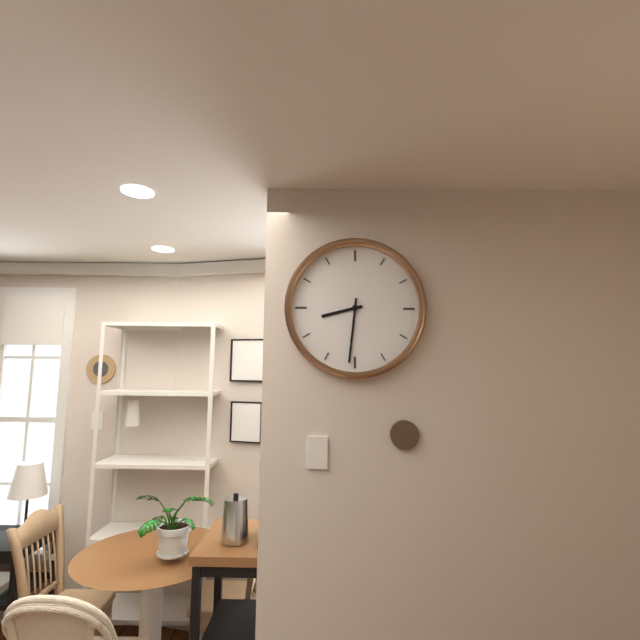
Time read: 8:31
